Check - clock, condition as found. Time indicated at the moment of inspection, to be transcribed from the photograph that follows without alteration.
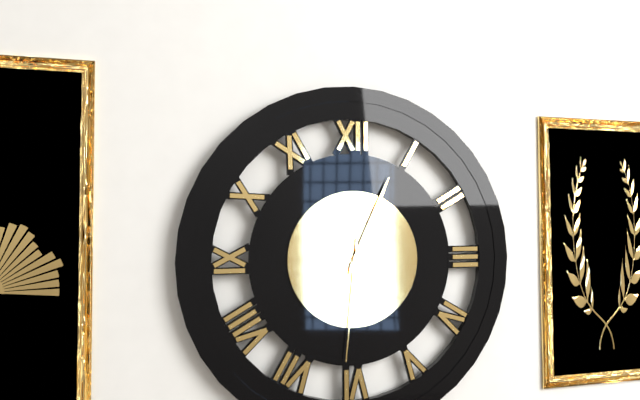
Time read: 3:04:31
